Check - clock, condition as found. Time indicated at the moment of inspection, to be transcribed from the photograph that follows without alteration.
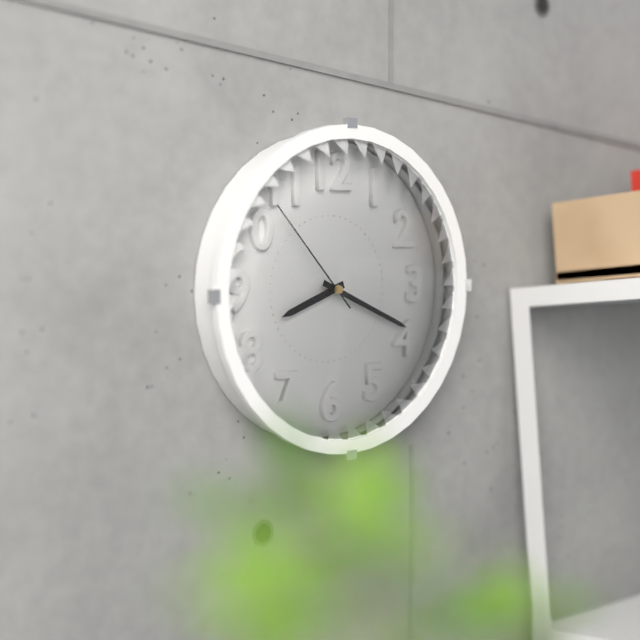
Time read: 8:19:53
